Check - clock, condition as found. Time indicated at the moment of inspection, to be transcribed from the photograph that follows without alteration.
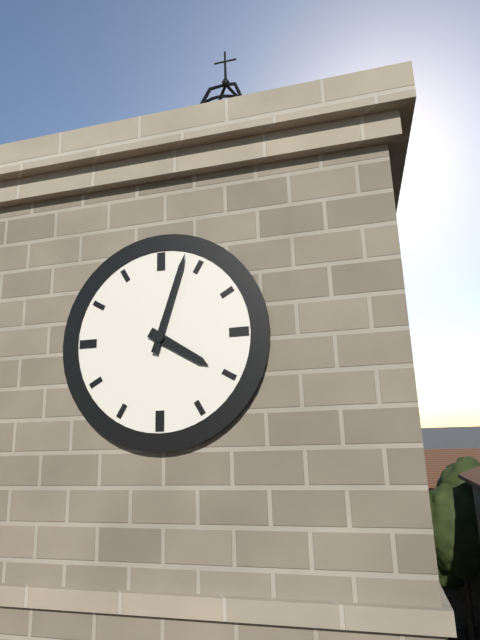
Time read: 4:03
